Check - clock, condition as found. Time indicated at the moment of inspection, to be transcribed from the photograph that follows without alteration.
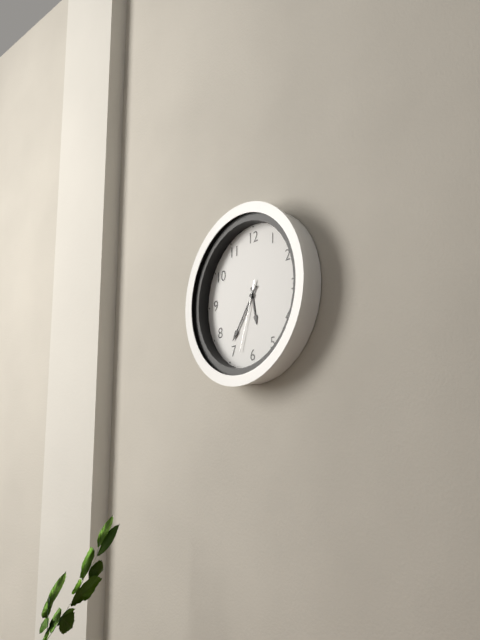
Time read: 5:36:33
